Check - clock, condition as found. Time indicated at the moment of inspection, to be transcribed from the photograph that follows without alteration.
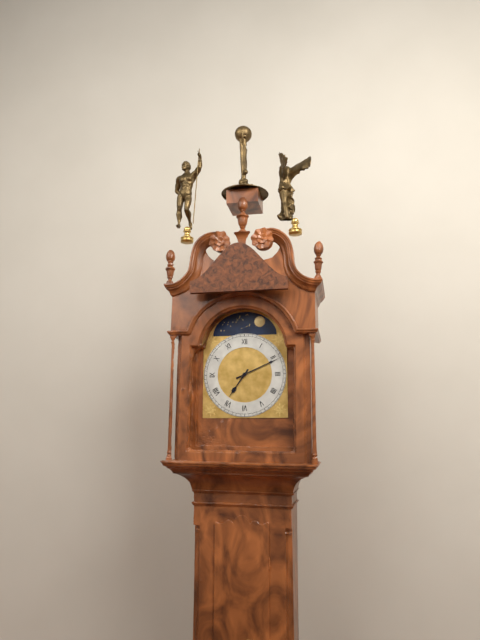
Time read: 7:11
